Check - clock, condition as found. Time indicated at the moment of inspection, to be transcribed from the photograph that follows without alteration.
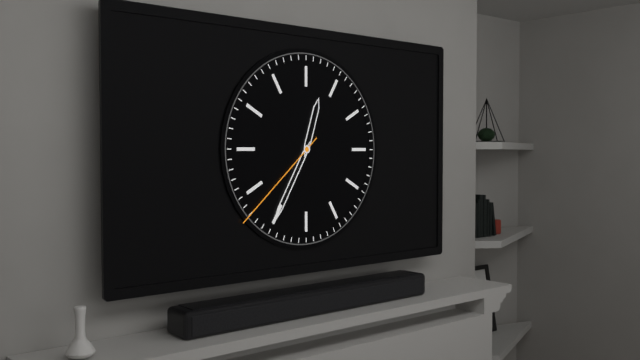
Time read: 12:35:38
